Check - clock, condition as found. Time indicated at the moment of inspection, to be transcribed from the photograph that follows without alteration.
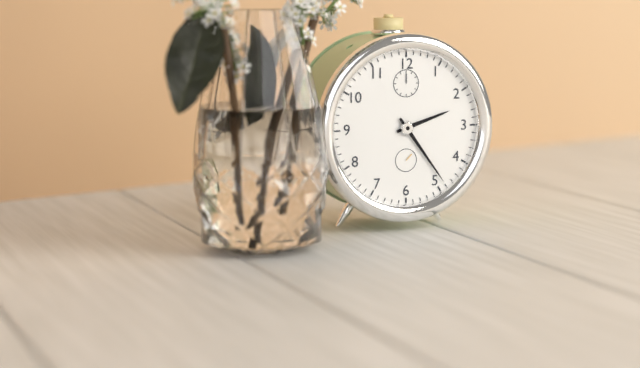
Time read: 2:24
